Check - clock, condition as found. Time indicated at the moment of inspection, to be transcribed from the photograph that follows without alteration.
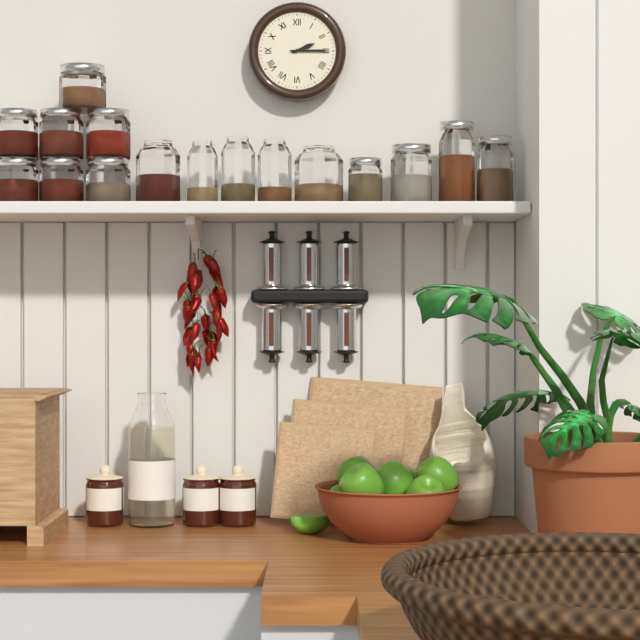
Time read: 2:15
